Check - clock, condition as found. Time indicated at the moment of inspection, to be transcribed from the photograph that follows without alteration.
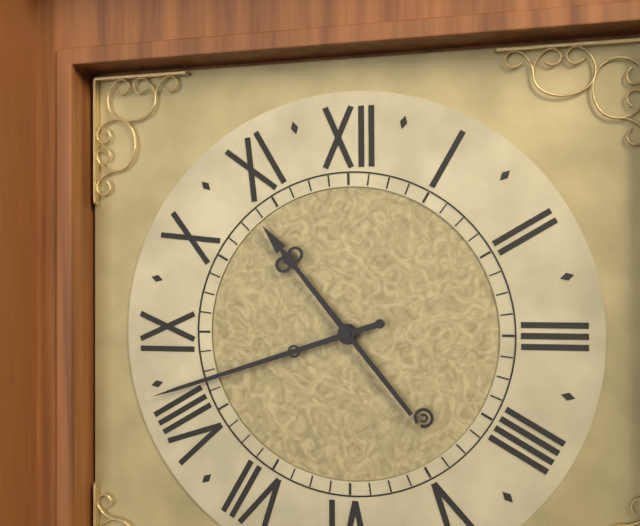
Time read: 10:42
